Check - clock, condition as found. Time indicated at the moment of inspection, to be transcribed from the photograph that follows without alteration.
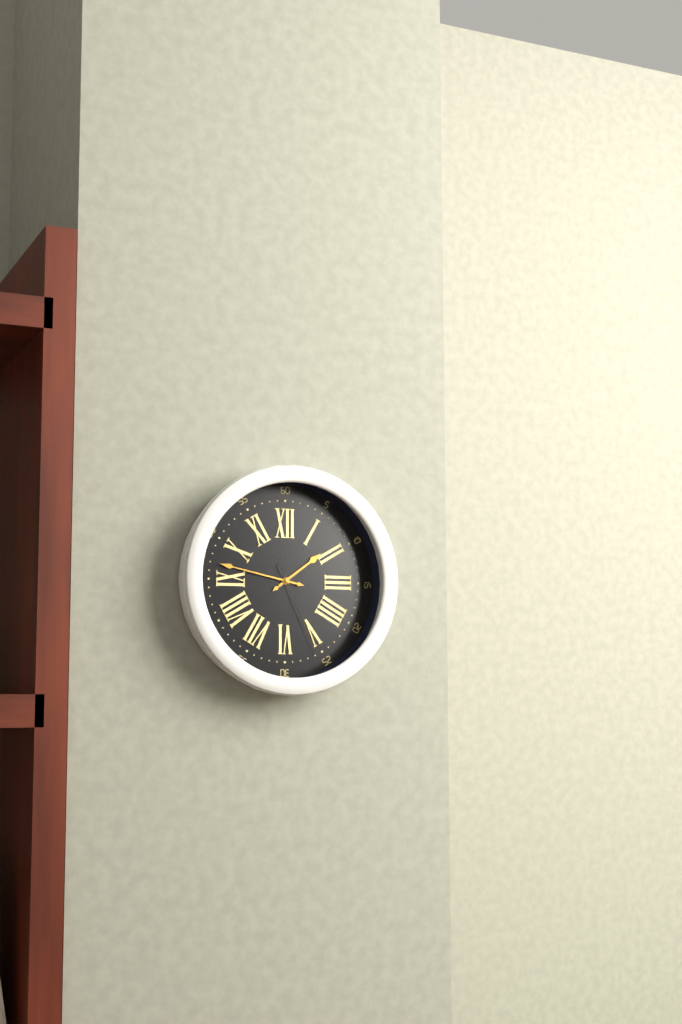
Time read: 1:47:26
